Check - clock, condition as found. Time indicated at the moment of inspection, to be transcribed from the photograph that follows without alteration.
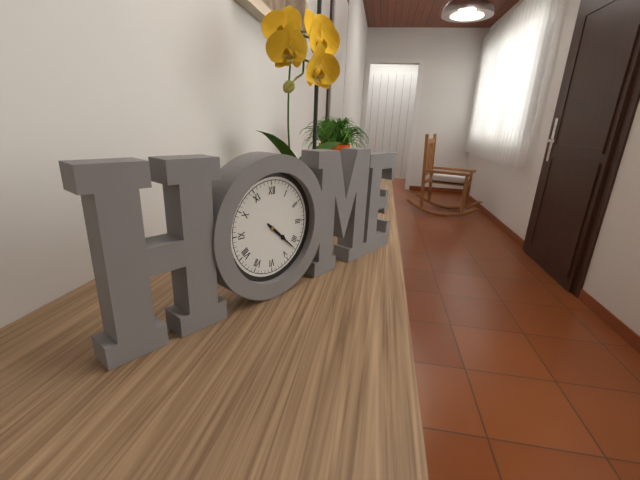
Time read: 4:22
